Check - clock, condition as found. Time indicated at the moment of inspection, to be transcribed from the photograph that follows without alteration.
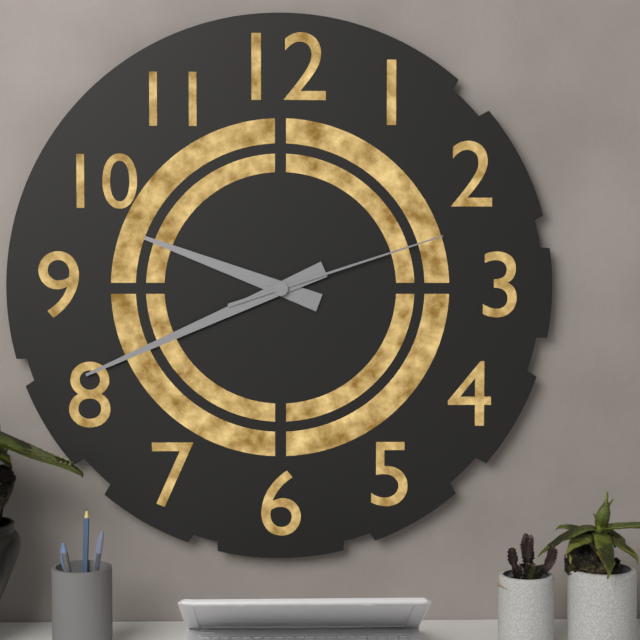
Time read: 9:41:12
